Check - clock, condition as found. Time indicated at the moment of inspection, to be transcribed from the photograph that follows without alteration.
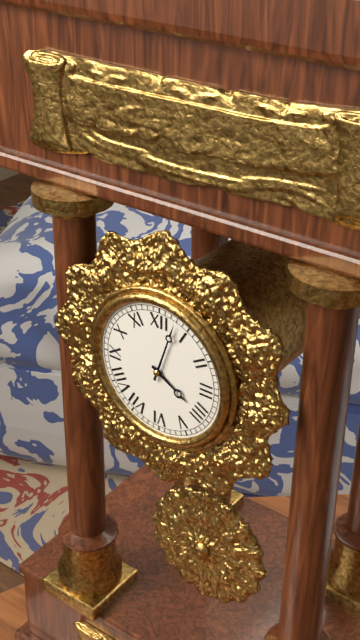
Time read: 4:03
